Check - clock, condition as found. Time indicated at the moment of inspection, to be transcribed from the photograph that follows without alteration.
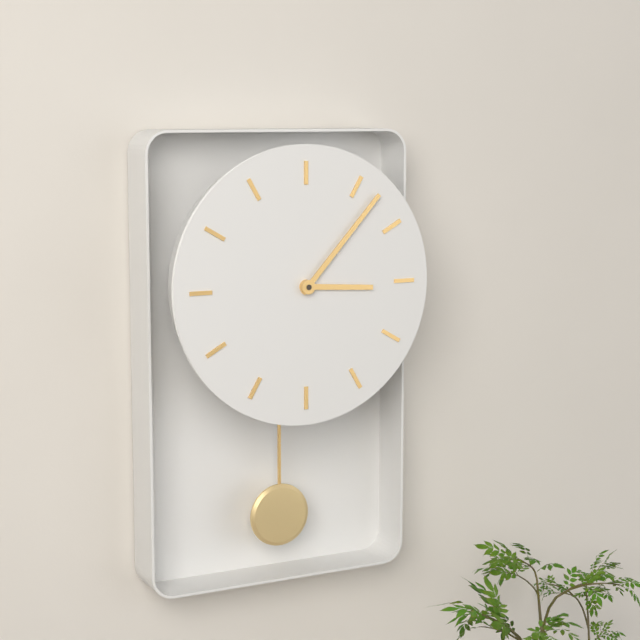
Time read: 3:07
